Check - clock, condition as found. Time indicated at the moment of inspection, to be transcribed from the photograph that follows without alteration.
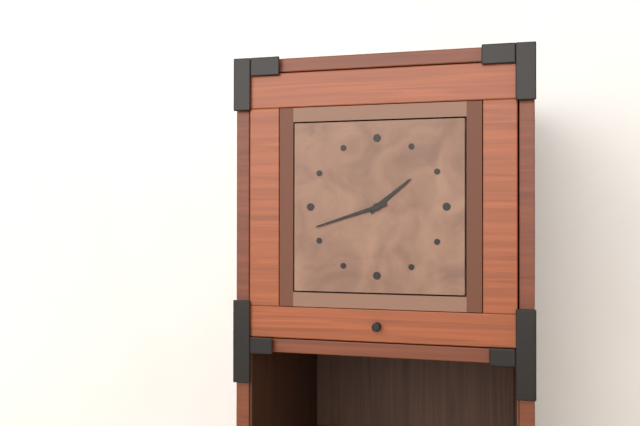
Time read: 1:42
